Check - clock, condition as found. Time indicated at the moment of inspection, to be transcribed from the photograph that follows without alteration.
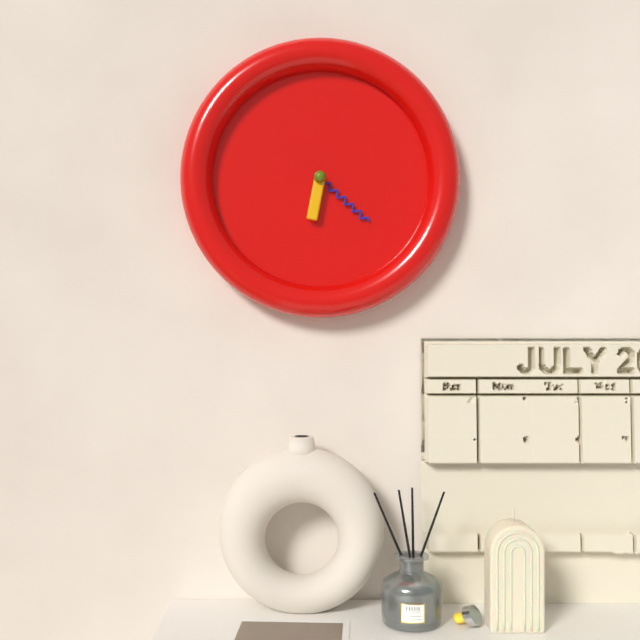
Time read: 6:22
